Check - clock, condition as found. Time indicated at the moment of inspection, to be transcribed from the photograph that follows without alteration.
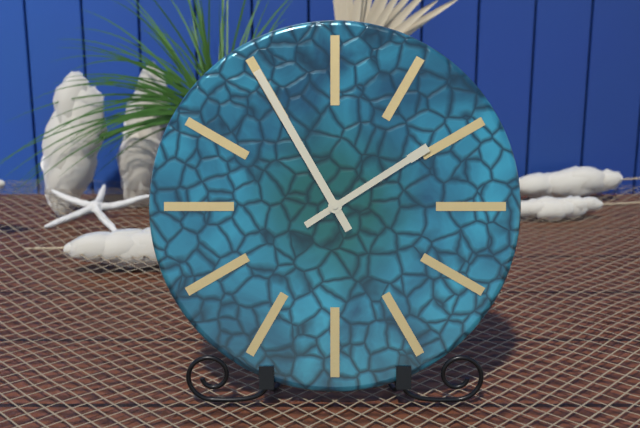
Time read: 1:55
